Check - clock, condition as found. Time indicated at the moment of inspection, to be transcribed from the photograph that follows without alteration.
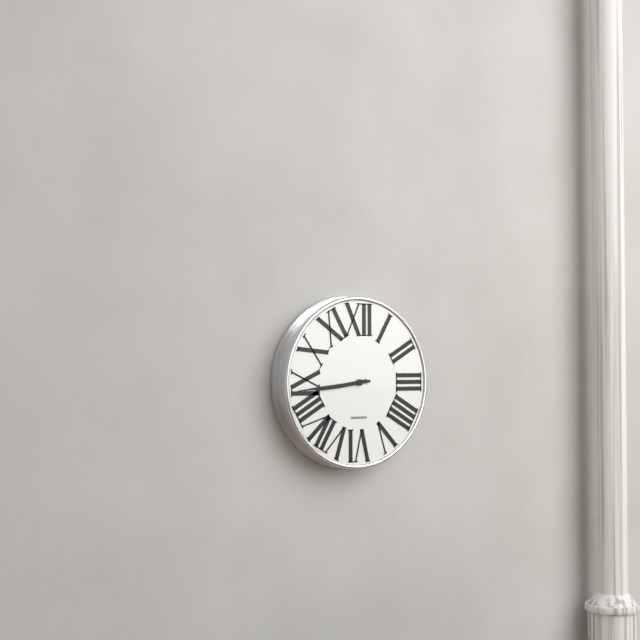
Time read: 8:44
